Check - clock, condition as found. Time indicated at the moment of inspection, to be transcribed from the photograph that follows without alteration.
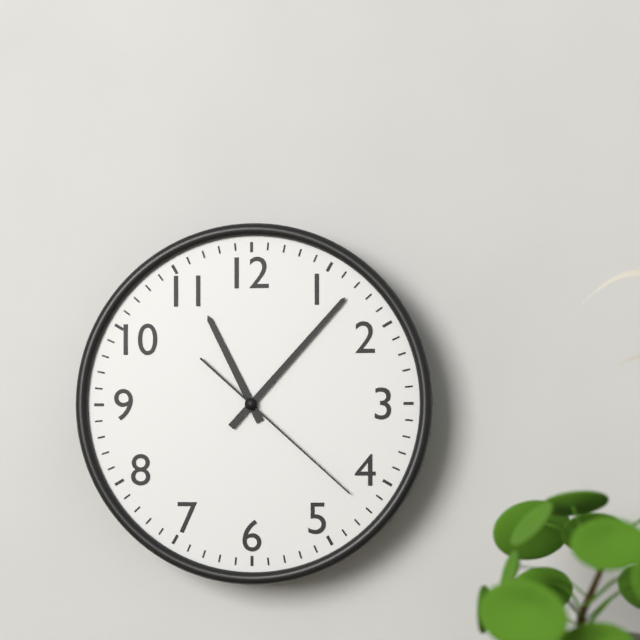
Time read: 11:07:22
